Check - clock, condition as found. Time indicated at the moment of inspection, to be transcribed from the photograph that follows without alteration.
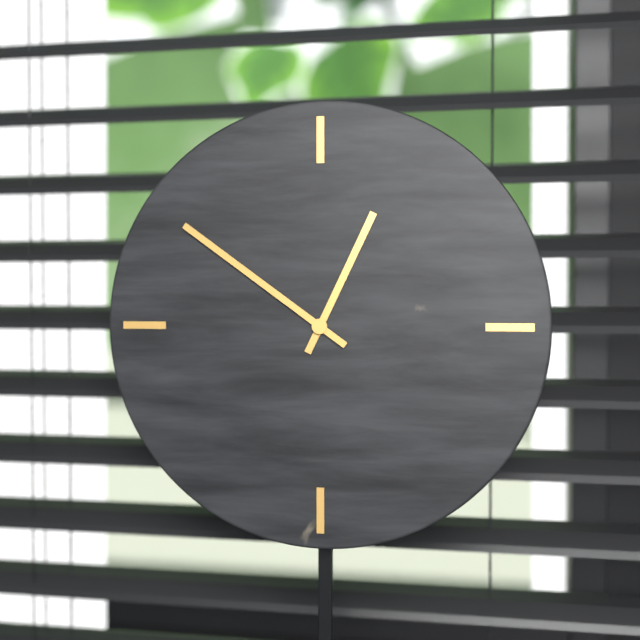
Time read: 12:51
